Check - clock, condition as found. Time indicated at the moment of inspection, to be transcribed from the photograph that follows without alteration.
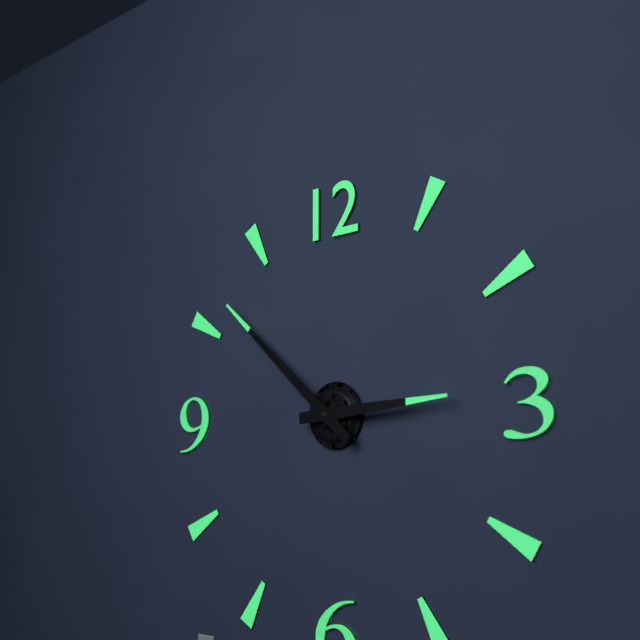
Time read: 2:52
